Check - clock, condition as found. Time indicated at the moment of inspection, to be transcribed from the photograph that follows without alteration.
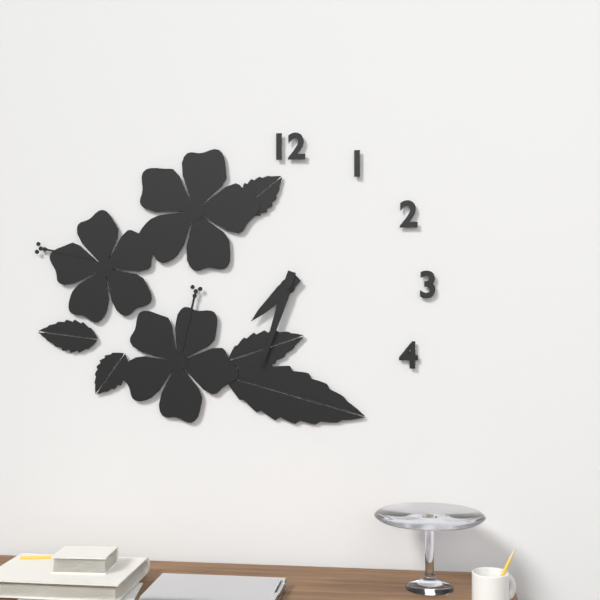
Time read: 7:33
